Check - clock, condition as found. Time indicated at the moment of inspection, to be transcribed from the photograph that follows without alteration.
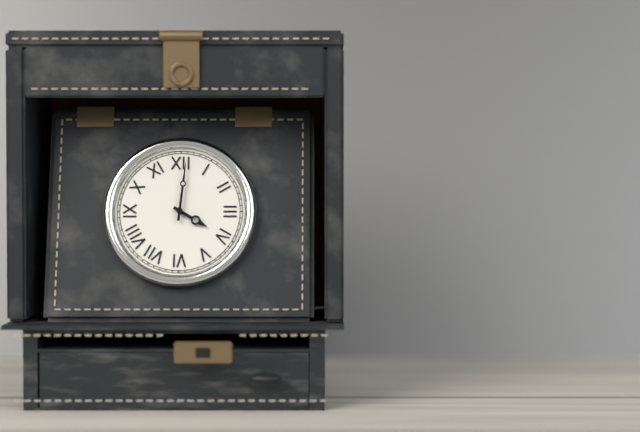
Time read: 4:01
